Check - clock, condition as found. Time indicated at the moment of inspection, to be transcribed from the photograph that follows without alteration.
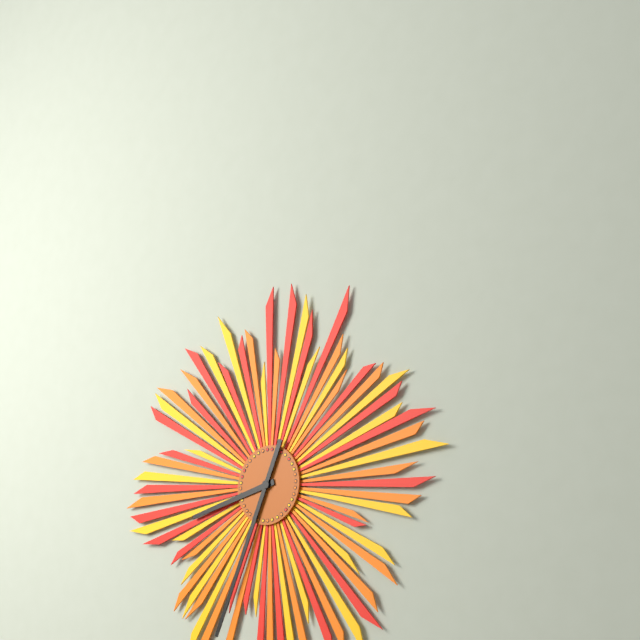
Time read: 8:34
